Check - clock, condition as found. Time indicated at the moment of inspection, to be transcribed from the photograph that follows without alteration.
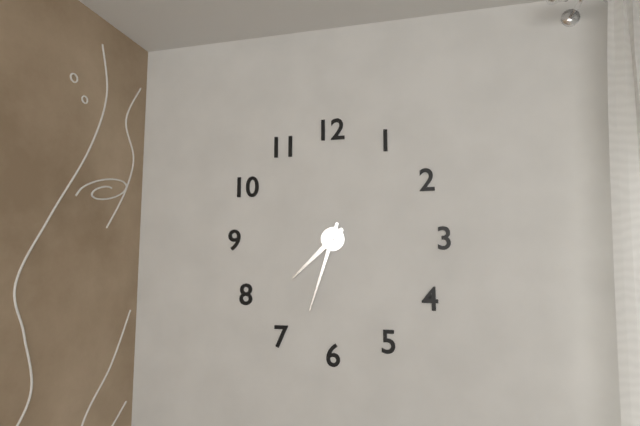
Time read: 7:33
